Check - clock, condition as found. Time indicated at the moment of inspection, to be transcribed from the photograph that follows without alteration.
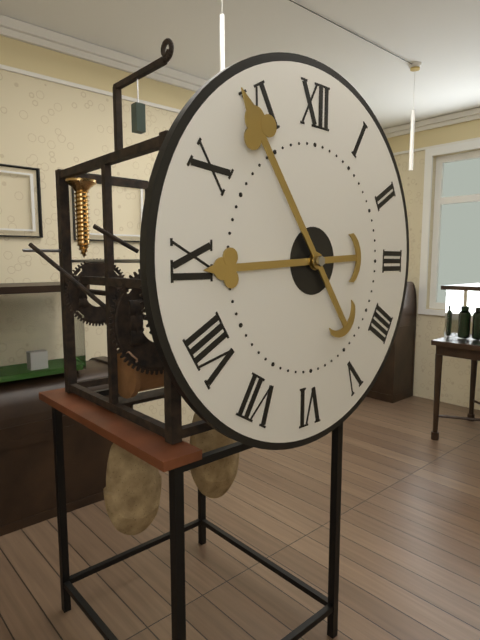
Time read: 8:54
